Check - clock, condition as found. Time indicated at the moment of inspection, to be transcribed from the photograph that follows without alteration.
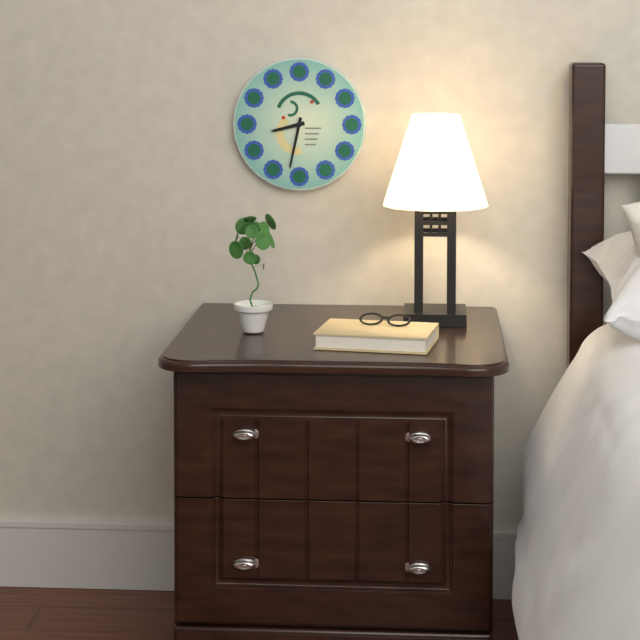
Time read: 8:32
